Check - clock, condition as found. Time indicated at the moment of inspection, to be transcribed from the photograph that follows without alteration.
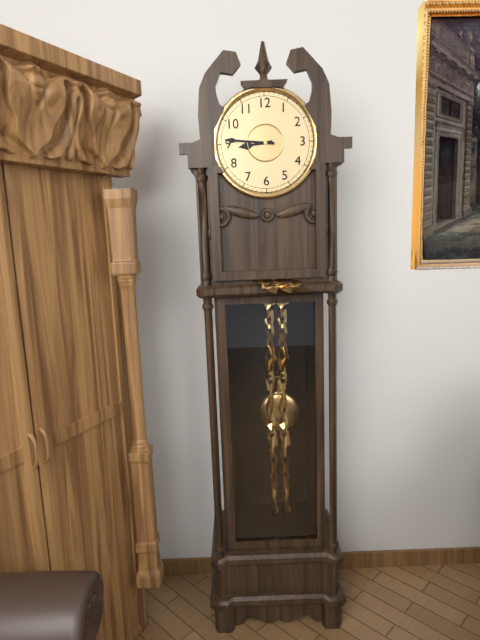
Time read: 8:46
